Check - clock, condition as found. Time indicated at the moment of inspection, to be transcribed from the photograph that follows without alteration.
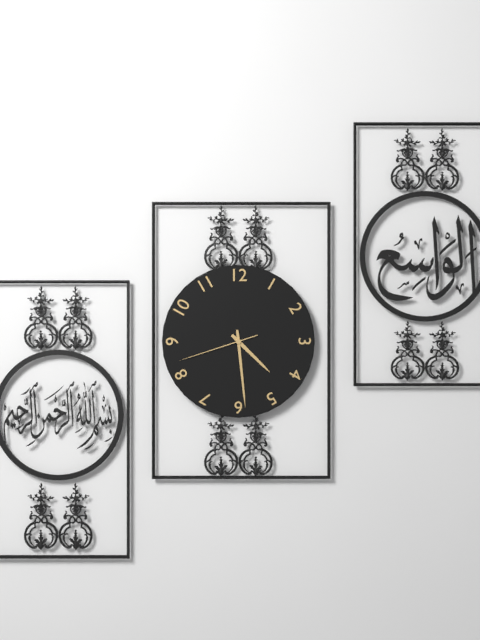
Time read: 4:29:42
